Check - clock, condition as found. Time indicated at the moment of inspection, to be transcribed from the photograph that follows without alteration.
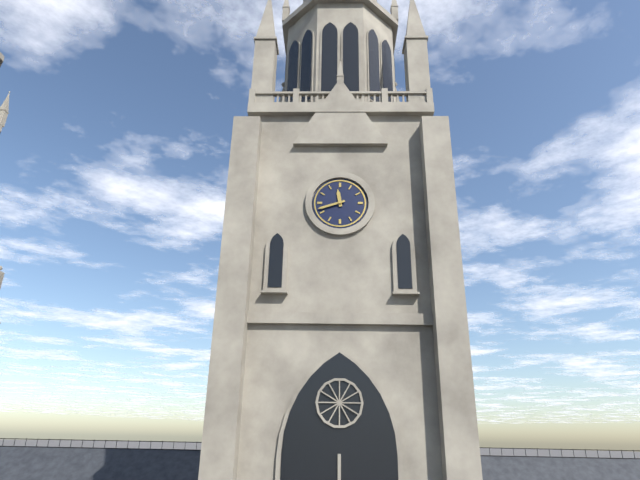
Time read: 11:42
